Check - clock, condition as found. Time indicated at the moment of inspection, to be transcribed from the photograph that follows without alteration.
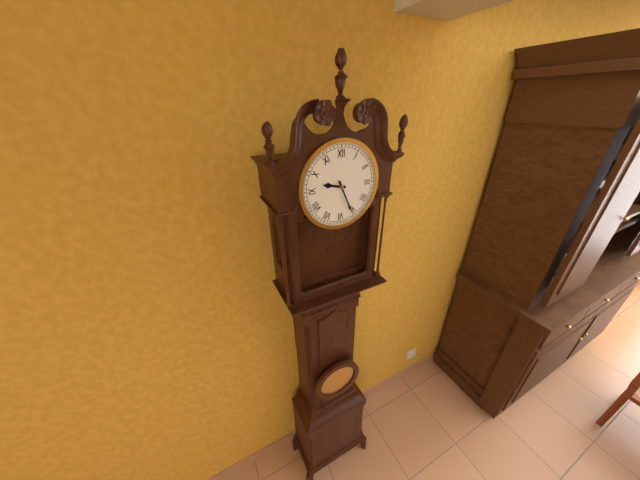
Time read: 9:26
